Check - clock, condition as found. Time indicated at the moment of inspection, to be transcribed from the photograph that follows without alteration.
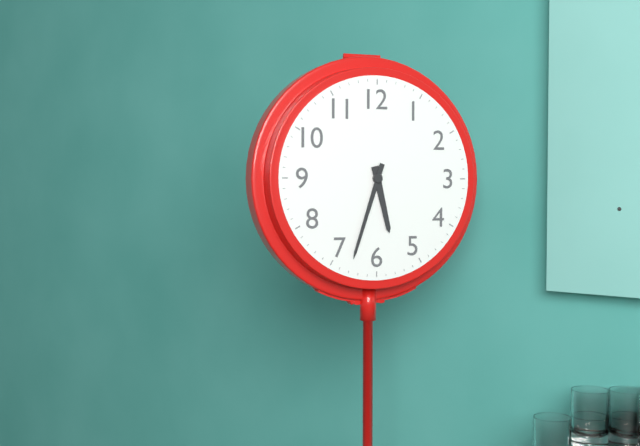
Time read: 5:33
